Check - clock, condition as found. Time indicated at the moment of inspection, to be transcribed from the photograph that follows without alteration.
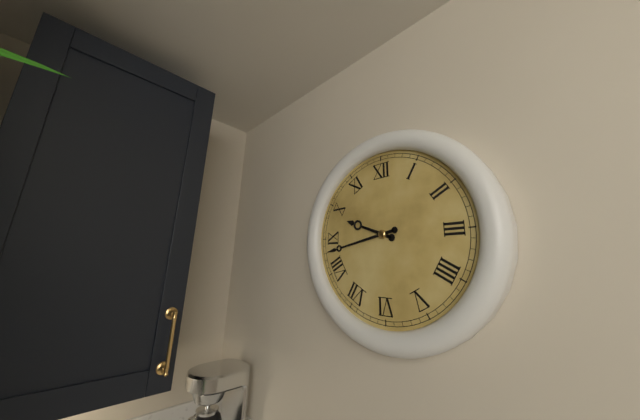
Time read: 9:43
